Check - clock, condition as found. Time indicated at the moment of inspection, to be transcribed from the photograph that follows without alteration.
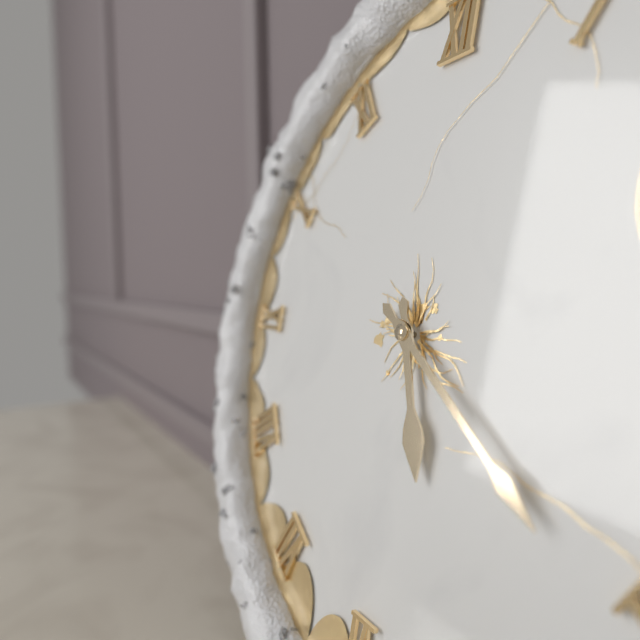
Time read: 5:21
